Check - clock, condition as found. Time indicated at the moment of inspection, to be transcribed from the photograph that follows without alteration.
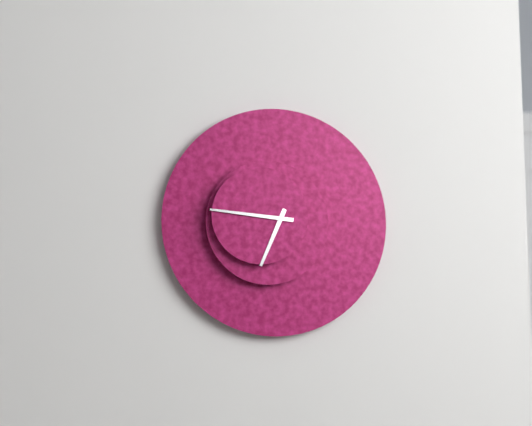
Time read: 6:46
